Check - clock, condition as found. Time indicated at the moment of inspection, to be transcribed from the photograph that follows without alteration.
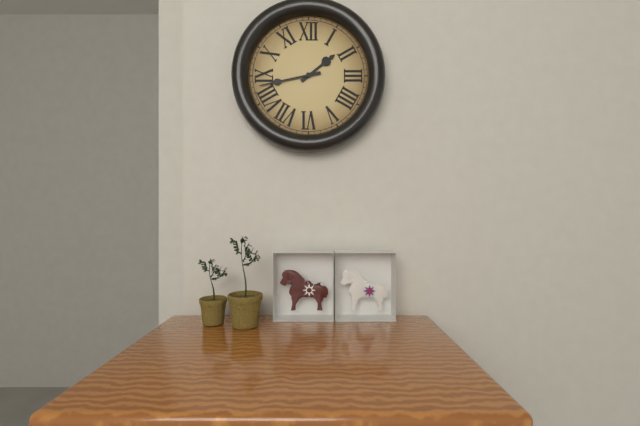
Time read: 1:43
